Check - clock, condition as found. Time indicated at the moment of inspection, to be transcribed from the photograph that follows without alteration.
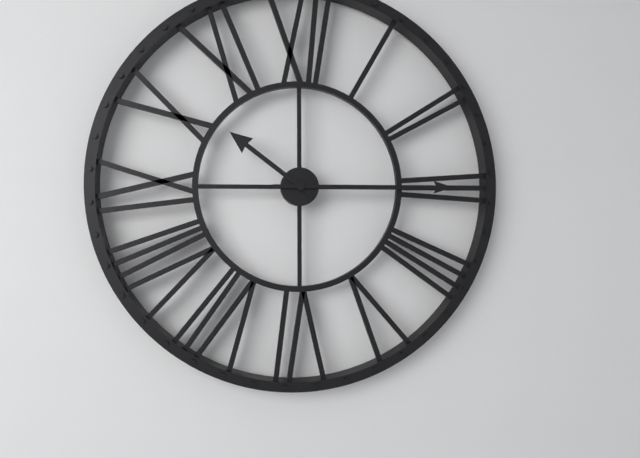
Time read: 10:15
